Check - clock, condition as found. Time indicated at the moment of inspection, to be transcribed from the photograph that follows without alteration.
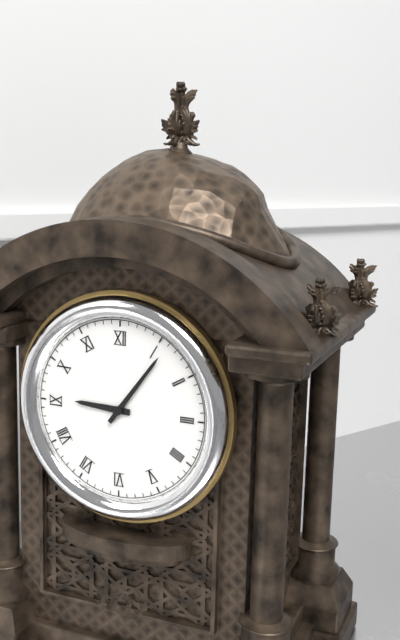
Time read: 9:06
